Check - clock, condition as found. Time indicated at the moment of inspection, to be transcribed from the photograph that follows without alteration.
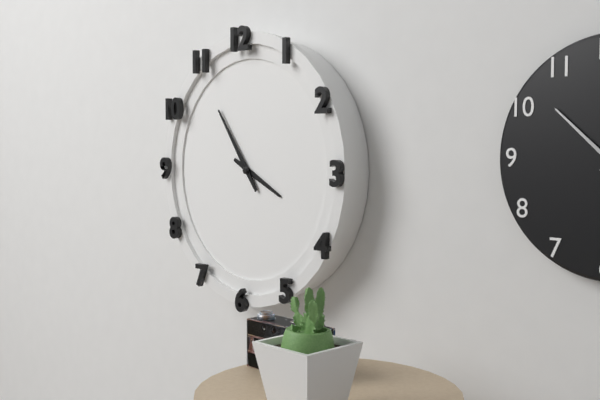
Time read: 3:54
